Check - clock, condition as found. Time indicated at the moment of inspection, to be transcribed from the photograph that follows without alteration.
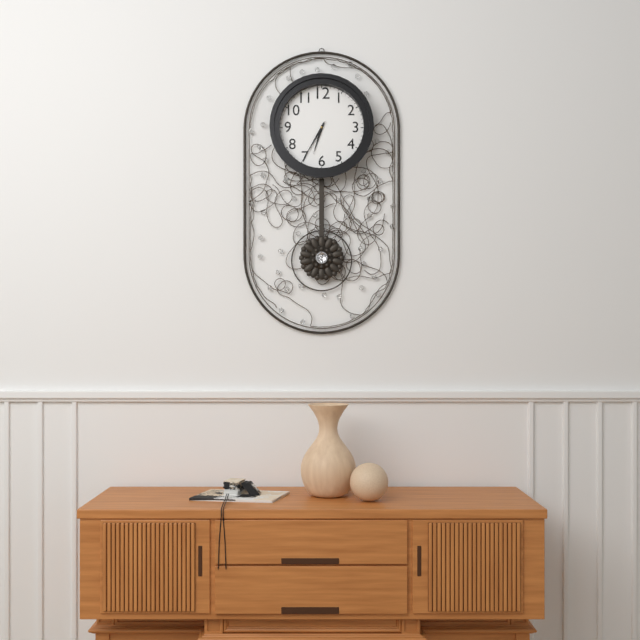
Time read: 6:35
